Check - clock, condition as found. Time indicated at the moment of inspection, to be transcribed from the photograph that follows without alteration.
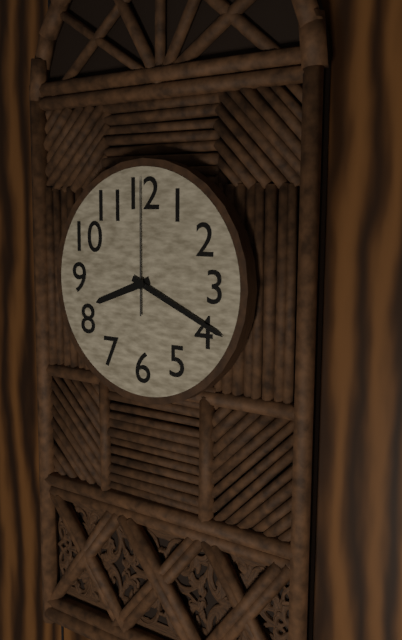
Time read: 8:19:00
